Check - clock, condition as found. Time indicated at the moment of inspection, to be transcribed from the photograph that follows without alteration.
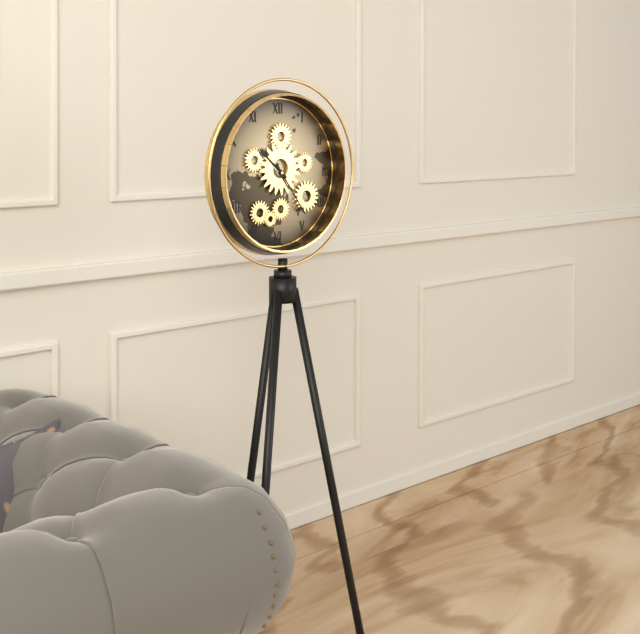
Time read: 10:24
